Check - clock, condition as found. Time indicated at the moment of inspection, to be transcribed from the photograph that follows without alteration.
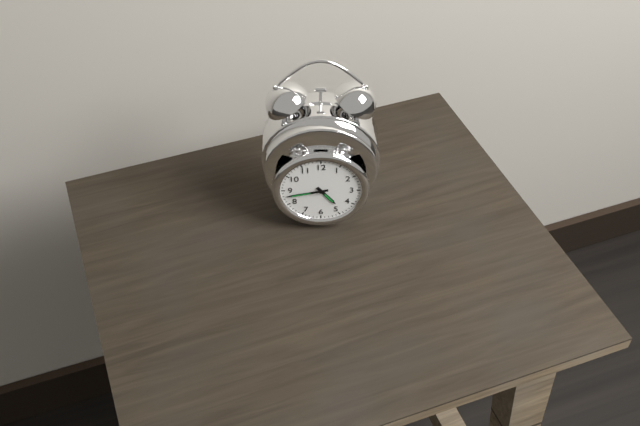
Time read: 4:43
